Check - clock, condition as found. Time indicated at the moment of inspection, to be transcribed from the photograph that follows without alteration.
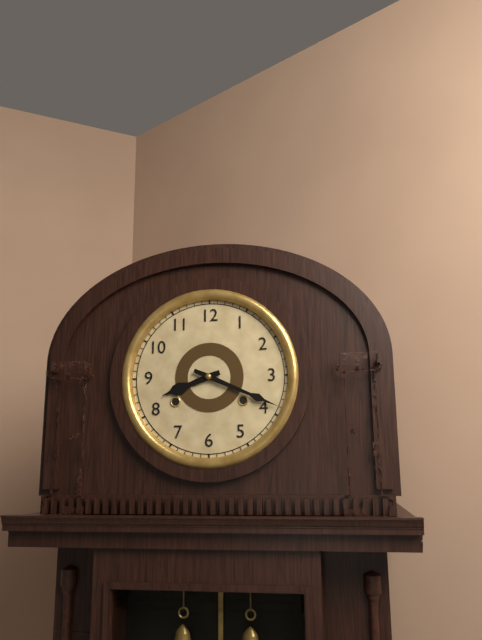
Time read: 8:19
